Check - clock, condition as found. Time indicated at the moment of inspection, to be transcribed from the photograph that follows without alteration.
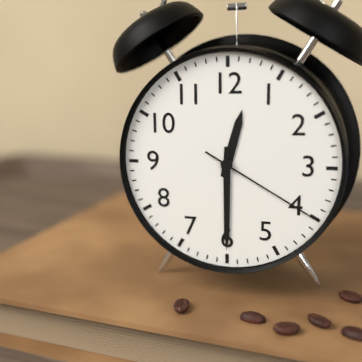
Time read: 12:30:20
